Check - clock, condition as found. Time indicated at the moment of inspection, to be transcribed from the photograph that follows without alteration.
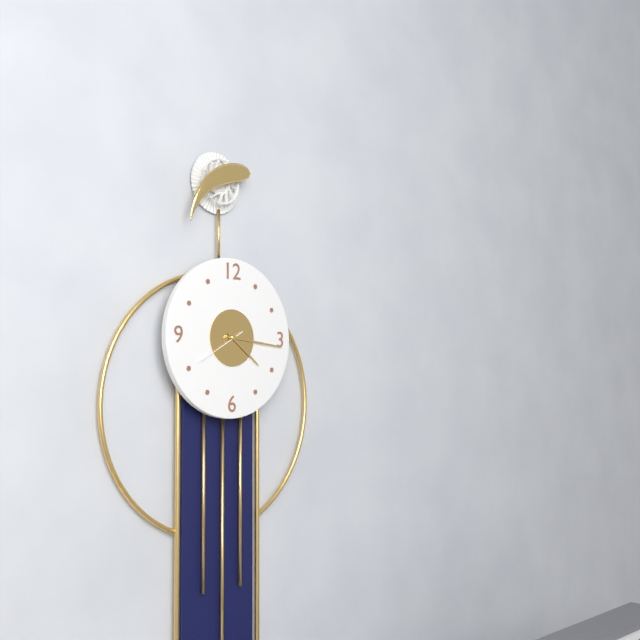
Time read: 4:16:40
